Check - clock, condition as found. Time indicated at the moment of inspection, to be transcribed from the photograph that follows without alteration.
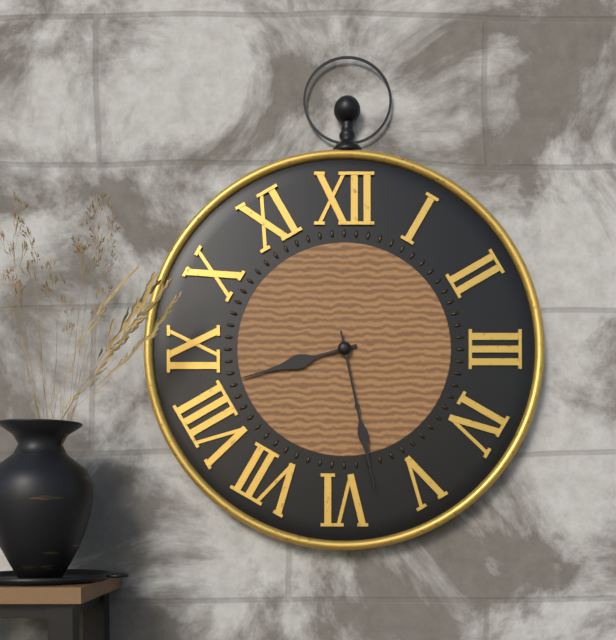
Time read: 8:28
